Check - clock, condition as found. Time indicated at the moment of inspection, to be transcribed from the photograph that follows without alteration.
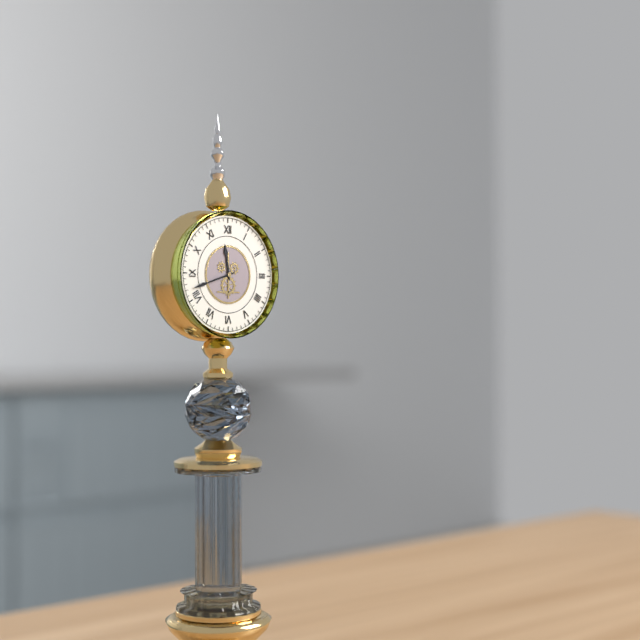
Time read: 11:42
